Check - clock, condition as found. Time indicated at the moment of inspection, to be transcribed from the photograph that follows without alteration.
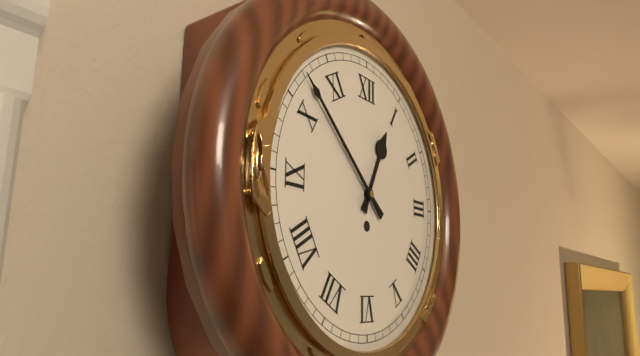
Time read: 12:52
